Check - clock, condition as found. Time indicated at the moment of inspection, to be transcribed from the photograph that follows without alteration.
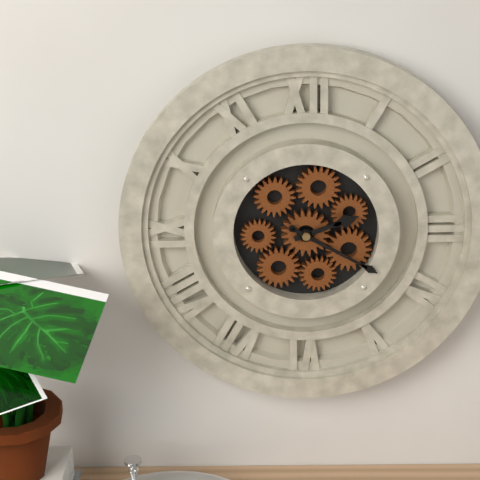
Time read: 2:20
